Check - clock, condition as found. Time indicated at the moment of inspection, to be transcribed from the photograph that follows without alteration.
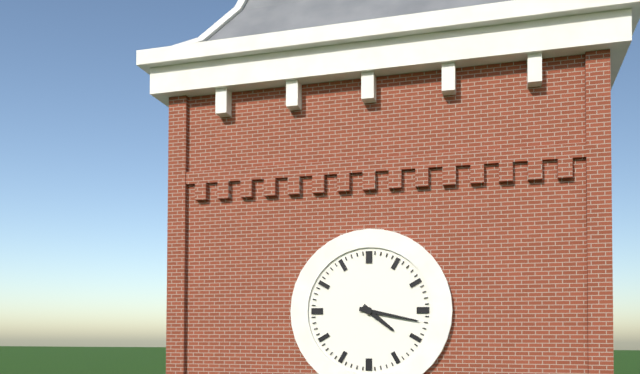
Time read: 4:17
